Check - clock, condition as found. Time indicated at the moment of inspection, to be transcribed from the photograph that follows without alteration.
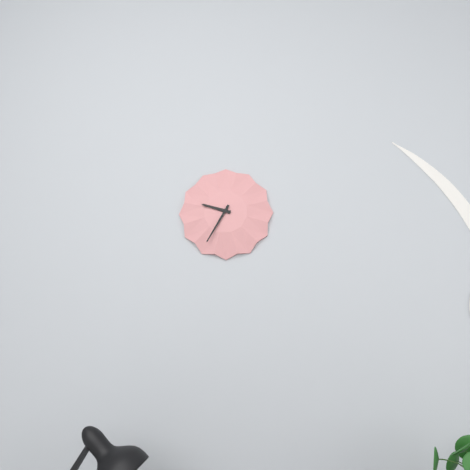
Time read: 9:35
